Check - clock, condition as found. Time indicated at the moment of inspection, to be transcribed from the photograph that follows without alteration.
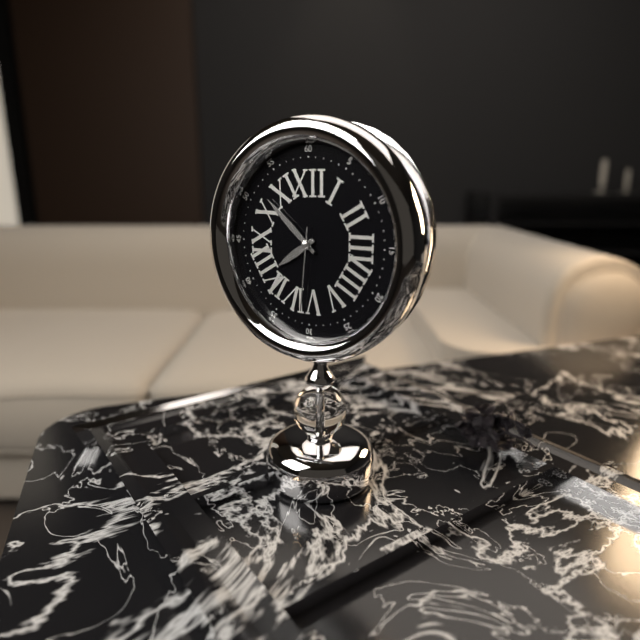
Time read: 7:52:31
